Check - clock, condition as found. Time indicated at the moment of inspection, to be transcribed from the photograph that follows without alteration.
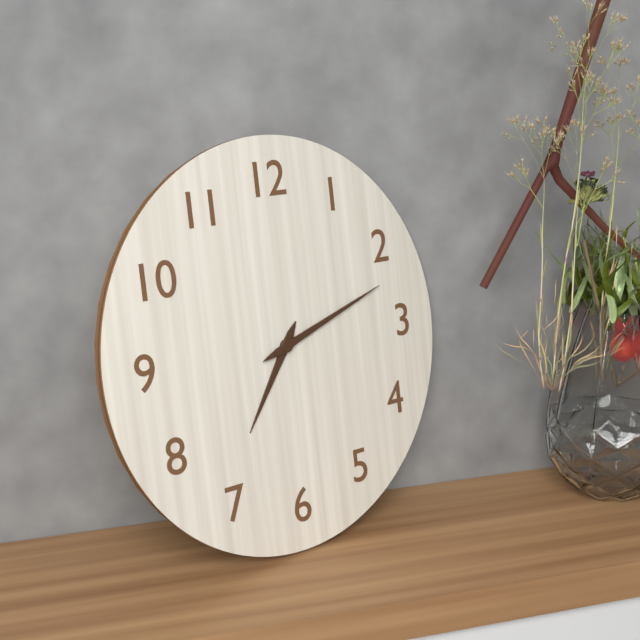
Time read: 7:12
